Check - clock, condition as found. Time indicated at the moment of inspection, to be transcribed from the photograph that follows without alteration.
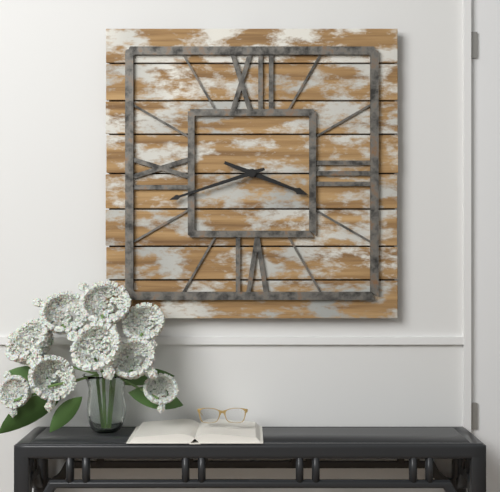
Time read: 3:42
